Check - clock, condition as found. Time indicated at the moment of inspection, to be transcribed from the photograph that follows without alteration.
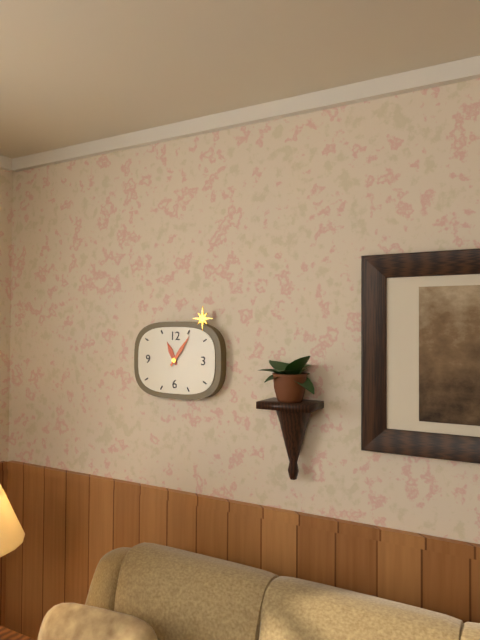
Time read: 11:06
